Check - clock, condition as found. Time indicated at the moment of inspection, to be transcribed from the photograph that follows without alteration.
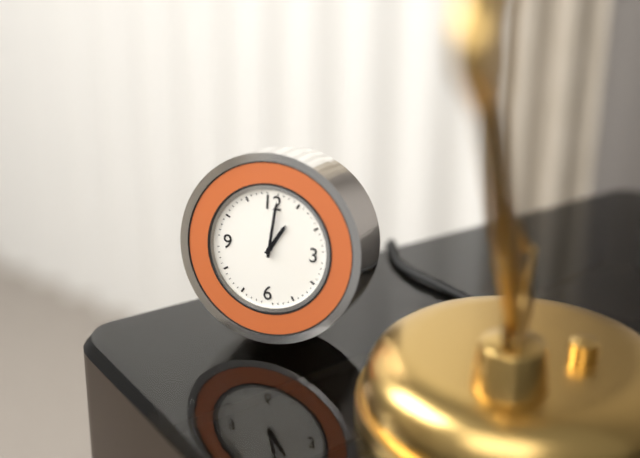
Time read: 1:01
